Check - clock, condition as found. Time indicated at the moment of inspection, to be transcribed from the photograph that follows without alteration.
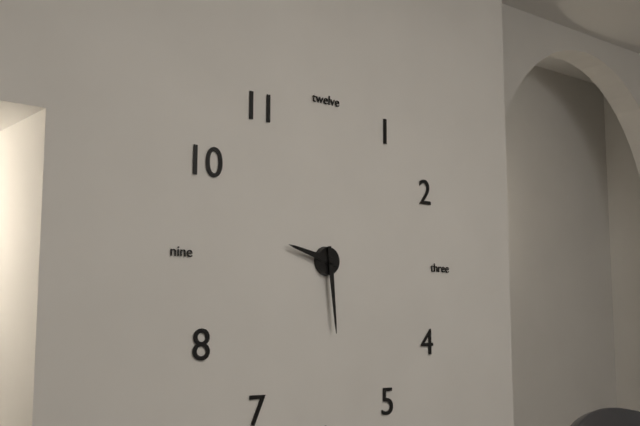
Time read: 9:29
